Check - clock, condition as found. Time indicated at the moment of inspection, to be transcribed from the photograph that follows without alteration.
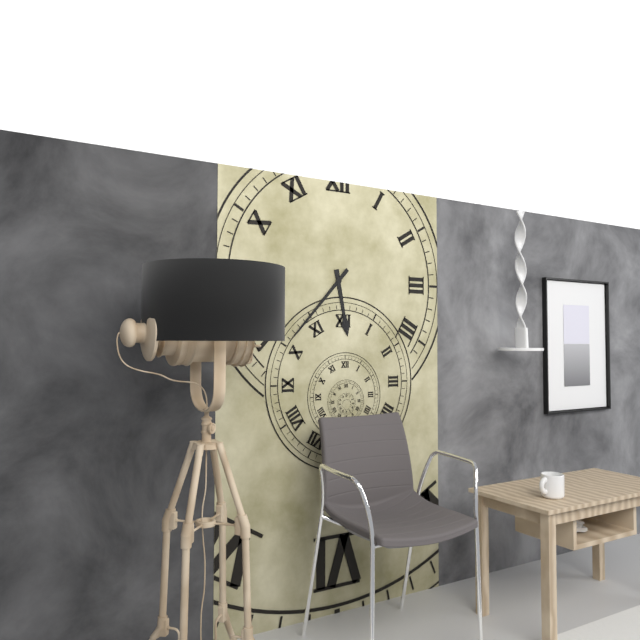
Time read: 5:37
